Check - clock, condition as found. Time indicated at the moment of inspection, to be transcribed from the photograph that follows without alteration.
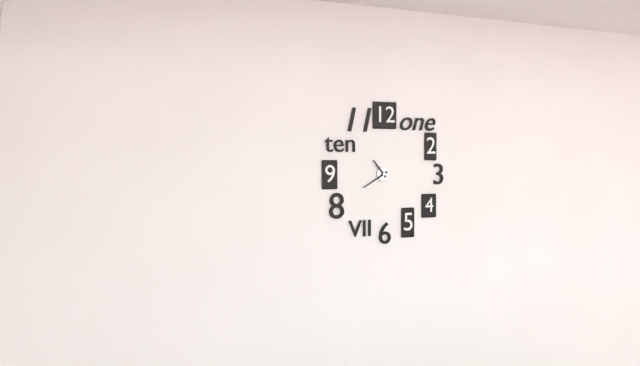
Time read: 10:40
